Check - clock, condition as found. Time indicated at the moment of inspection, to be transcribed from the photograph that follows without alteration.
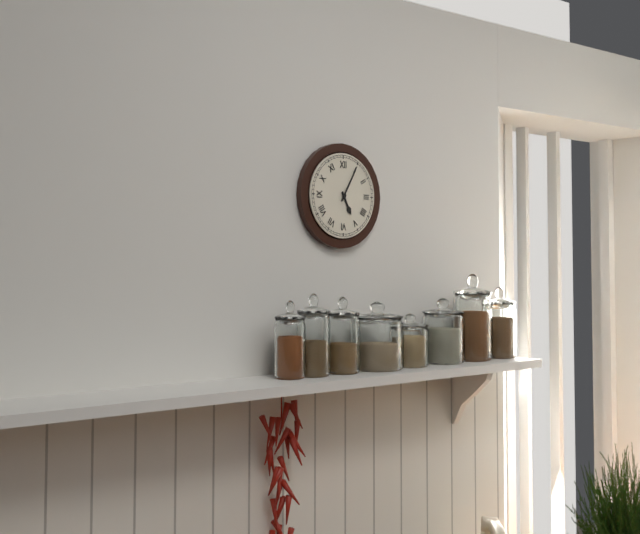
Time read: 5:05
